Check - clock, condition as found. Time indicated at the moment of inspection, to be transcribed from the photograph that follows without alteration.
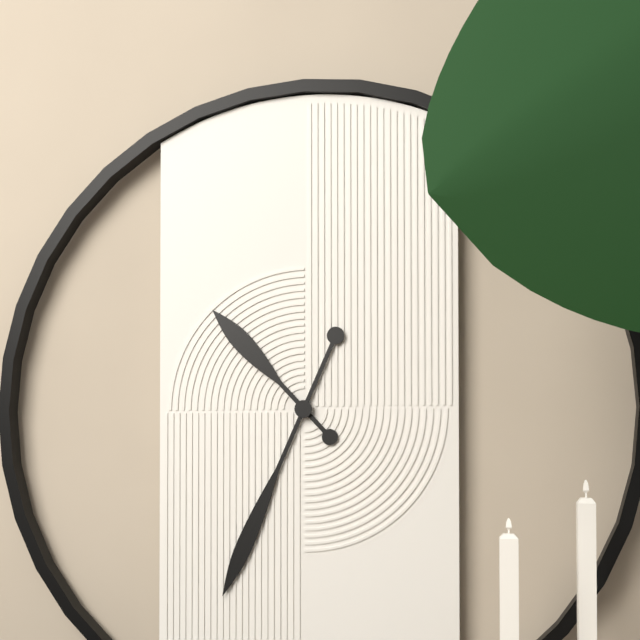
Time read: 10:34
